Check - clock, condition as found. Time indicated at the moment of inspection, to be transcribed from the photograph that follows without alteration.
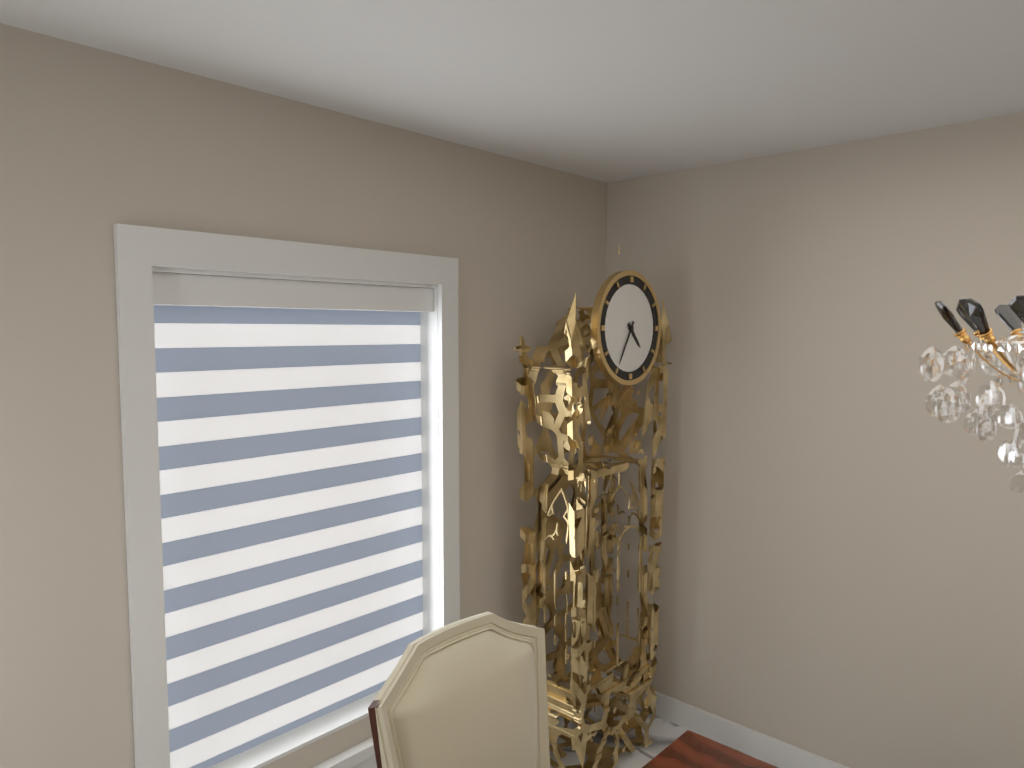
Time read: 4:35
